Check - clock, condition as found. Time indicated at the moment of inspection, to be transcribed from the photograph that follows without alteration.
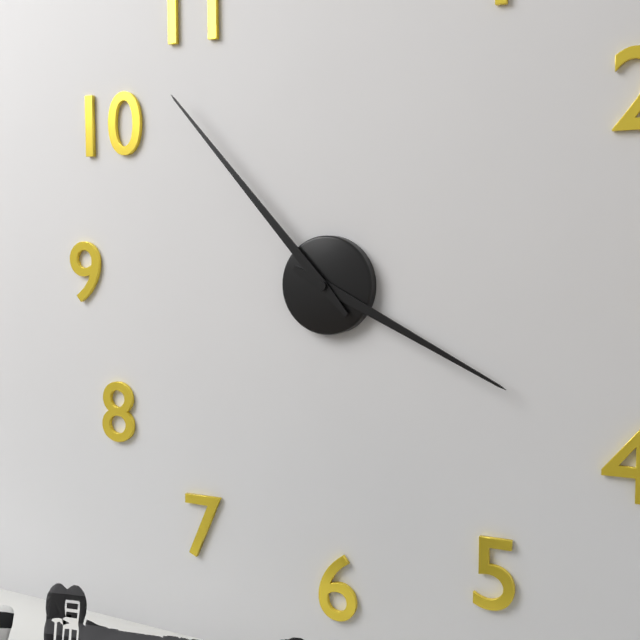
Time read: 3:53
